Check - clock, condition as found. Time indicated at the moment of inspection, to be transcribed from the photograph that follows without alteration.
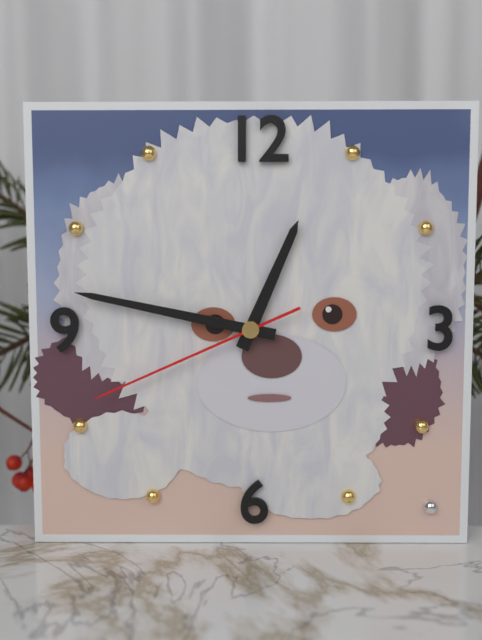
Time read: 12:47:41
